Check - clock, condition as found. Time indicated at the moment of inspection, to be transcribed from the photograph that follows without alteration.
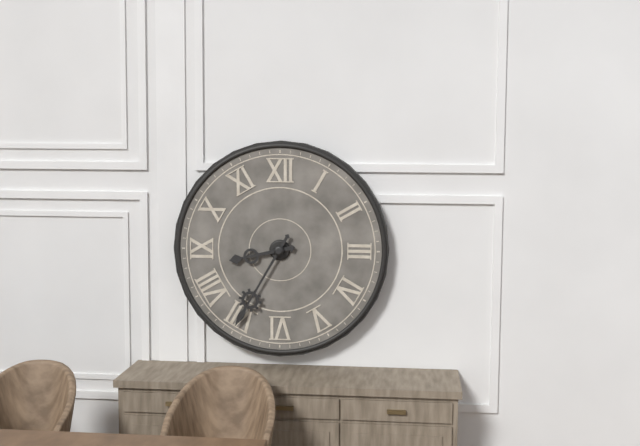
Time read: 8:35
